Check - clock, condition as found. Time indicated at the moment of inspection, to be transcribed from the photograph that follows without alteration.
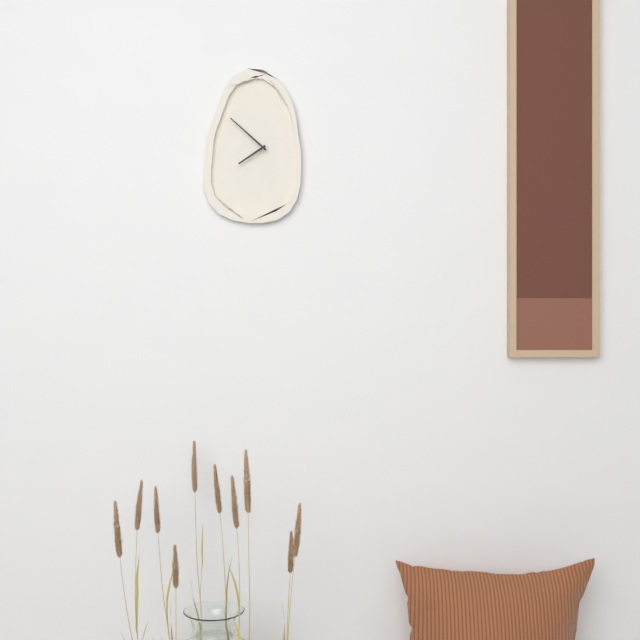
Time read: 7:52
